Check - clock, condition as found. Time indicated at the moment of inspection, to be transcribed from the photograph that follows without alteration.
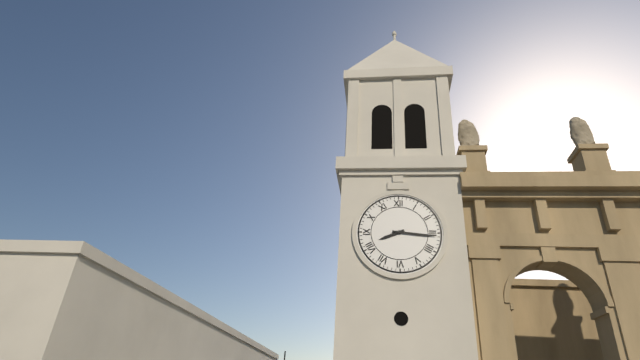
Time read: 8:16
